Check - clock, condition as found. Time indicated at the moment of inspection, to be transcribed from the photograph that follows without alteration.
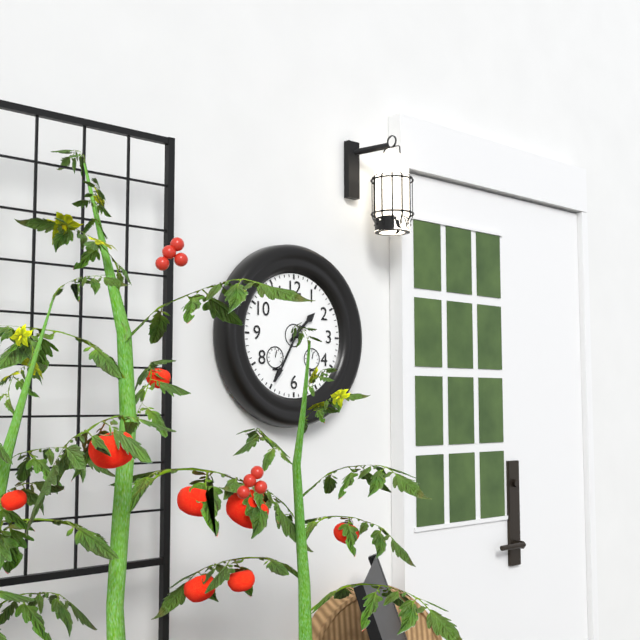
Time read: 1:35
